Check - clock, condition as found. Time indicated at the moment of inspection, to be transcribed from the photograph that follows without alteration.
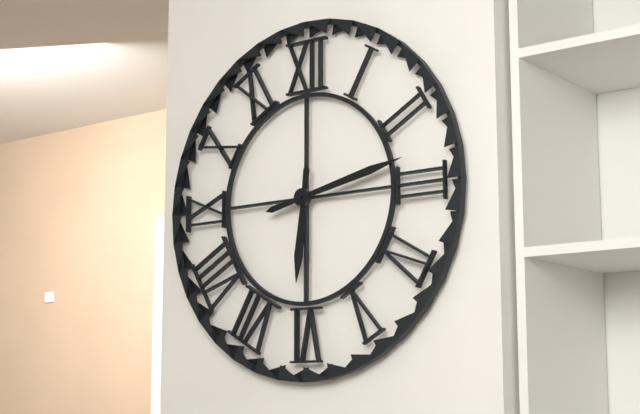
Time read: 6:13
